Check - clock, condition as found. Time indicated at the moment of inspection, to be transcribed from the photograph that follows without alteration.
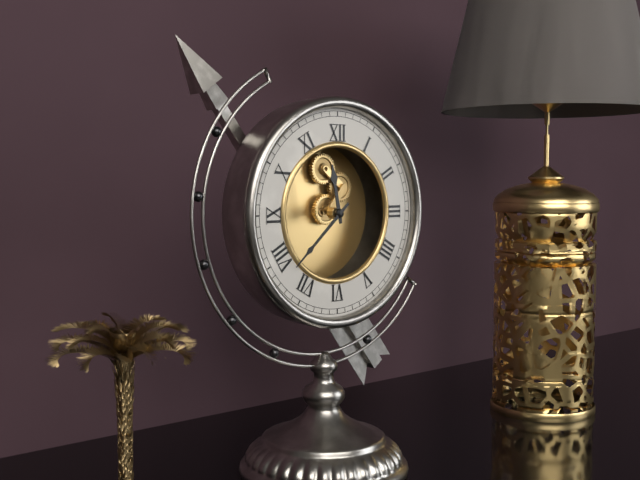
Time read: 11:38
